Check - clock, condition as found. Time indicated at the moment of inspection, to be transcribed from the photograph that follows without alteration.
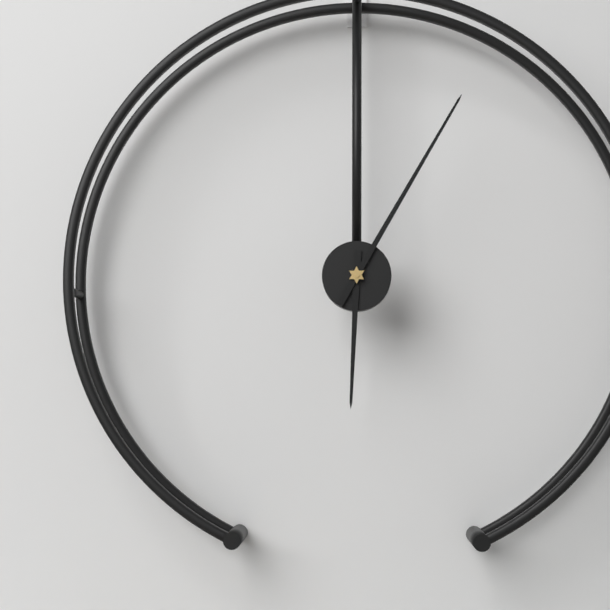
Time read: 6:05
